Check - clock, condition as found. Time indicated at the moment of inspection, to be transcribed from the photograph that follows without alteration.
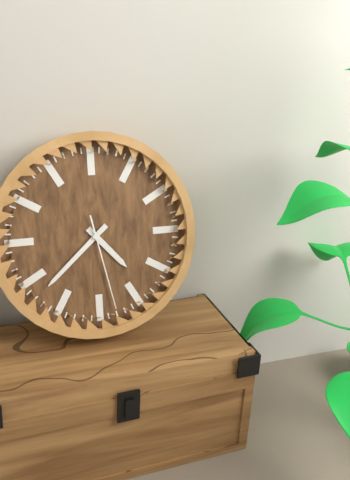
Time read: 4:38:28
